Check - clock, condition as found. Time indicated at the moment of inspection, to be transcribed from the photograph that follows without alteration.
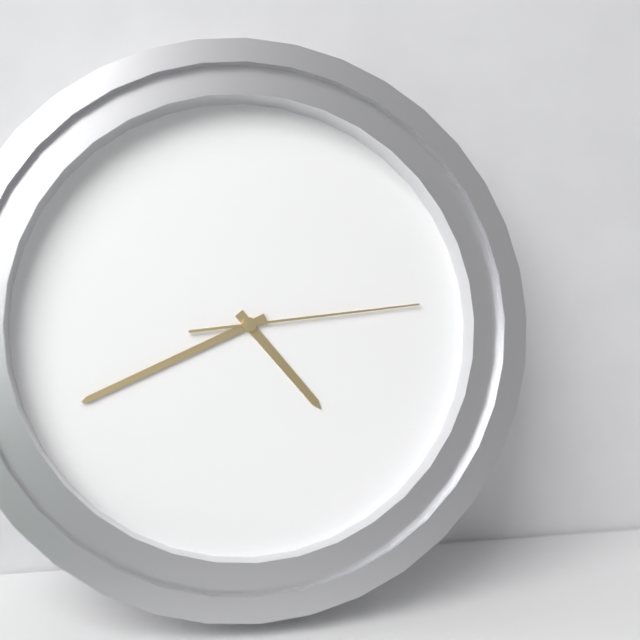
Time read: 4:41:14
